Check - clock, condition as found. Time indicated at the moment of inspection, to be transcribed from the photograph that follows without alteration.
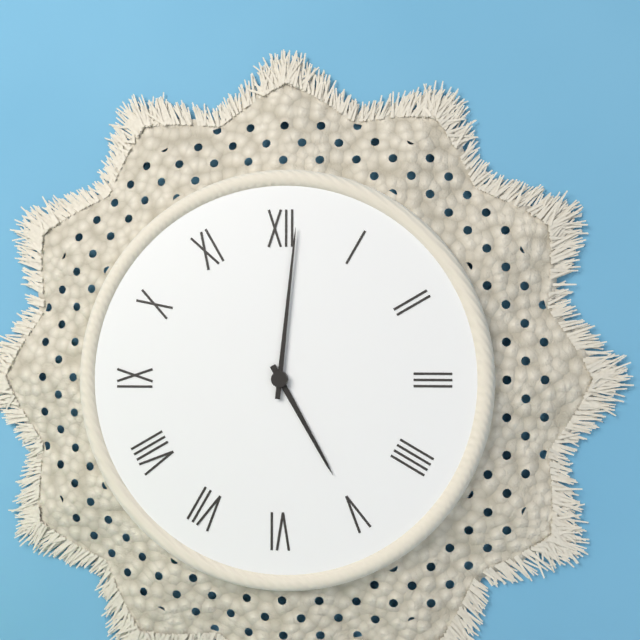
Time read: 5:01
